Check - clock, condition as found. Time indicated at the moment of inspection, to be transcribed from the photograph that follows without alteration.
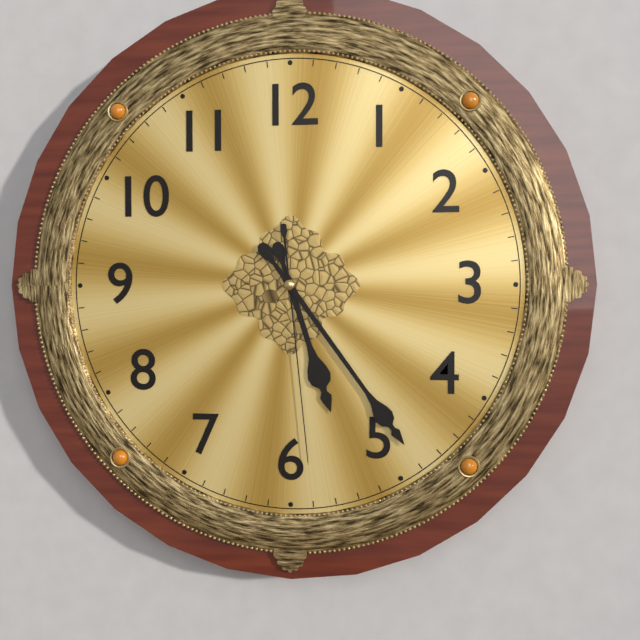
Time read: 5:24:29
